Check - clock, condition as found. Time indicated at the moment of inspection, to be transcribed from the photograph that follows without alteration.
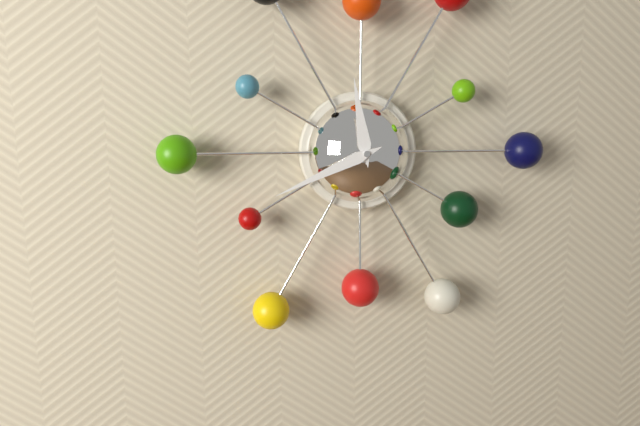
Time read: 11:41
